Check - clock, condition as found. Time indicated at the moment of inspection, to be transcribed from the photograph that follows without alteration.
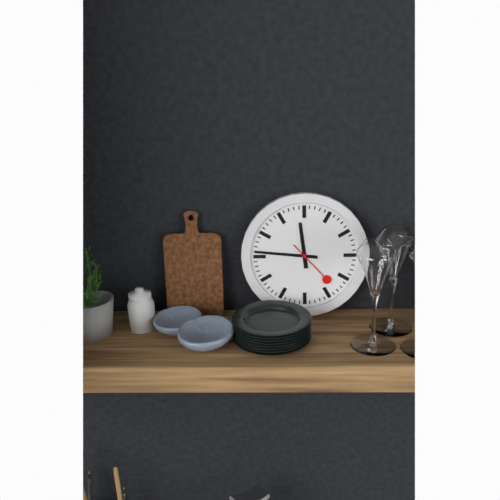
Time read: 11:46
